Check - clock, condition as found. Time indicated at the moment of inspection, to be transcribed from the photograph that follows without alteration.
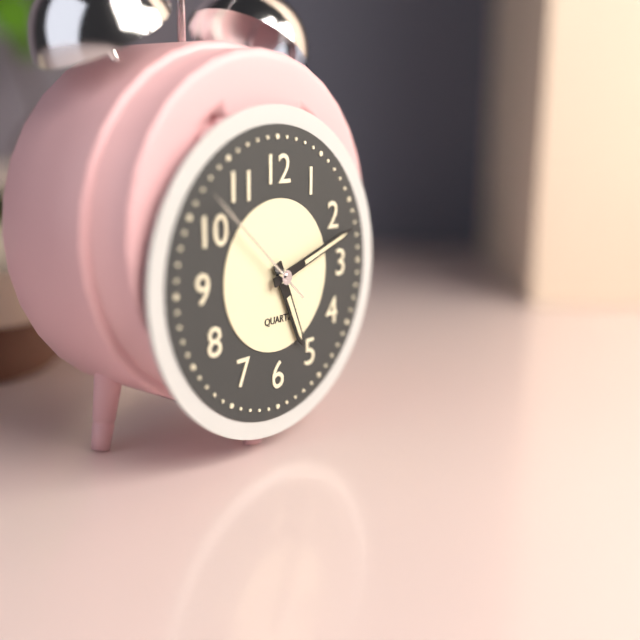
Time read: 5:12:52
